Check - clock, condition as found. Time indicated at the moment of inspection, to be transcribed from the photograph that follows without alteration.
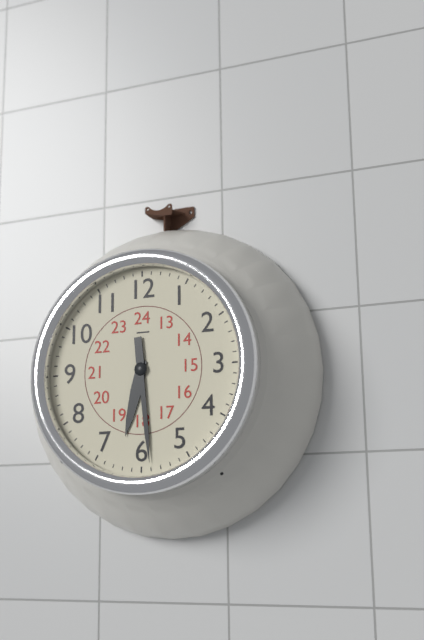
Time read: 6:29
